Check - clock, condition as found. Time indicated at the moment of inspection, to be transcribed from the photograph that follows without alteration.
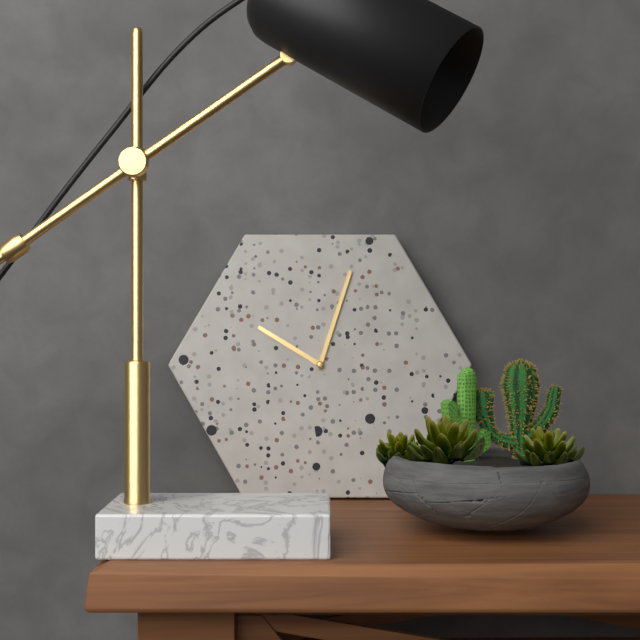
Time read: 10:03
